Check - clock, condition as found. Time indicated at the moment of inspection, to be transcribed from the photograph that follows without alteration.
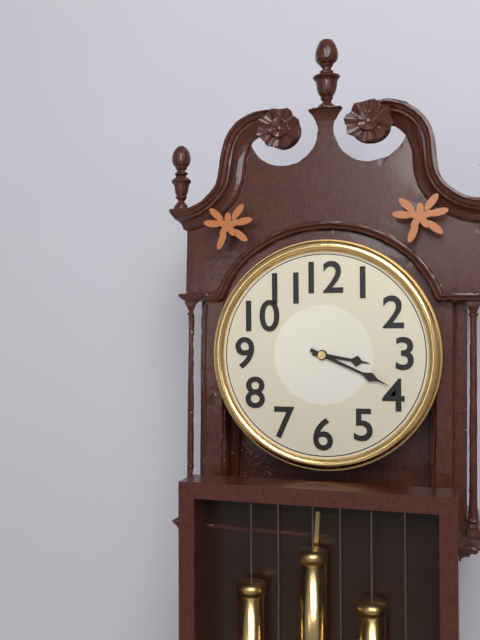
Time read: 3:19
